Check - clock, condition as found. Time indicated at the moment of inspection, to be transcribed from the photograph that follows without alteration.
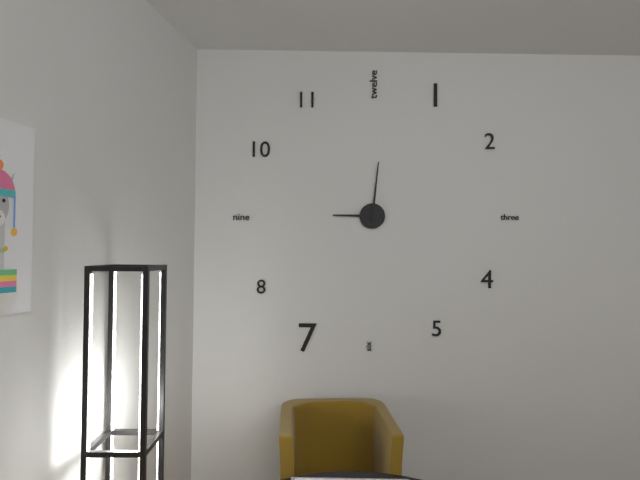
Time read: 9:01
